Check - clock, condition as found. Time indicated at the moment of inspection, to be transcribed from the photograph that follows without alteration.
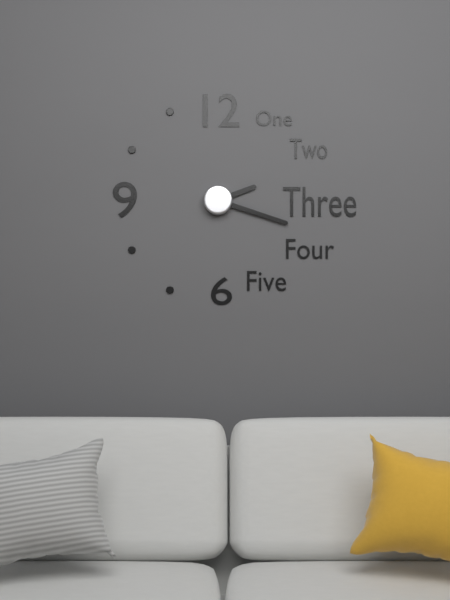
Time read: 2:18
